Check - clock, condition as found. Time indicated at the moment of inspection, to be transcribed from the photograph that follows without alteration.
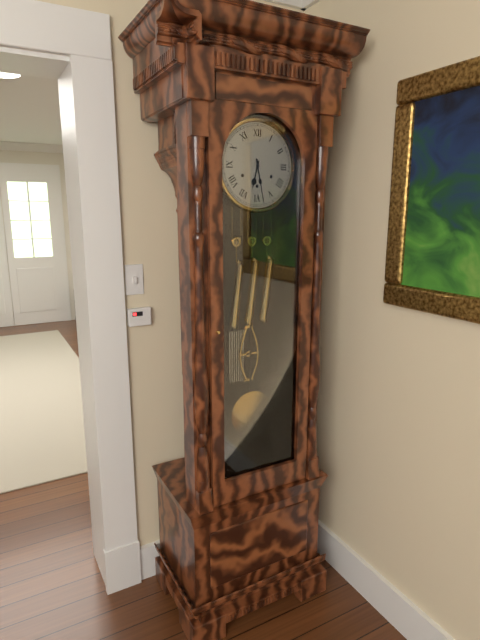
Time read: 6:28
